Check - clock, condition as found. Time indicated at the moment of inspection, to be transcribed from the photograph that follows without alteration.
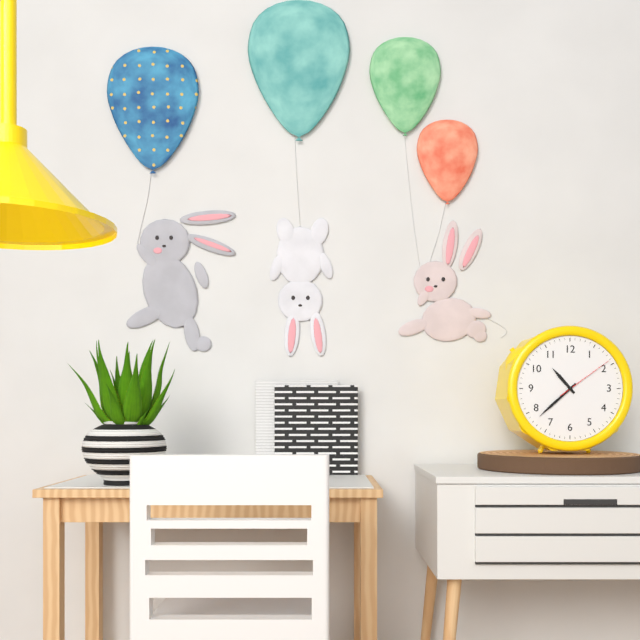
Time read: 10:38:09
